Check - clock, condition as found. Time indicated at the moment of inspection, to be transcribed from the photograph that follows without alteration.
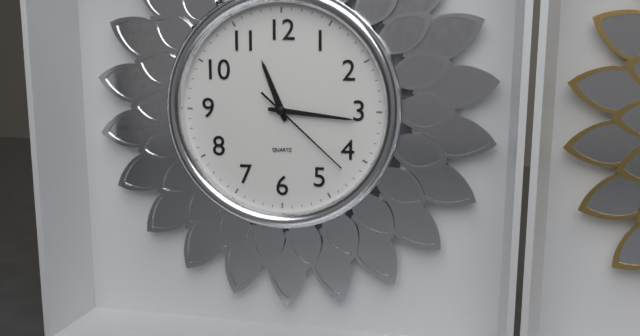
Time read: 11:16:22
